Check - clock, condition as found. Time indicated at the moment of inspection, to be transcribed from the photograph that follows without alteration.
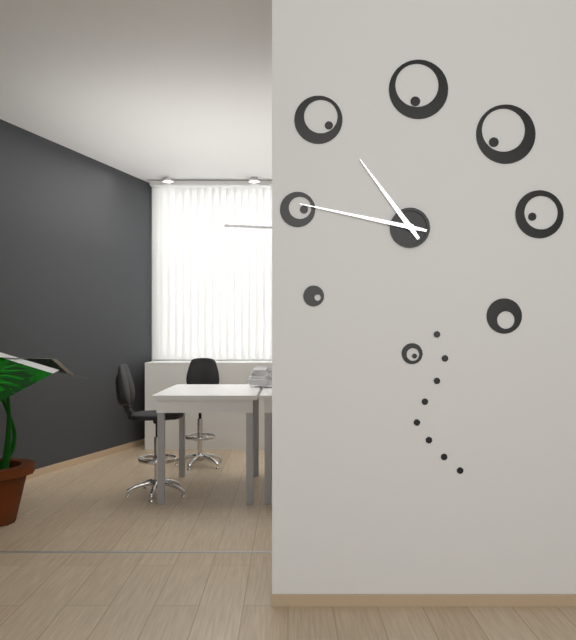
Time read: 10:47
